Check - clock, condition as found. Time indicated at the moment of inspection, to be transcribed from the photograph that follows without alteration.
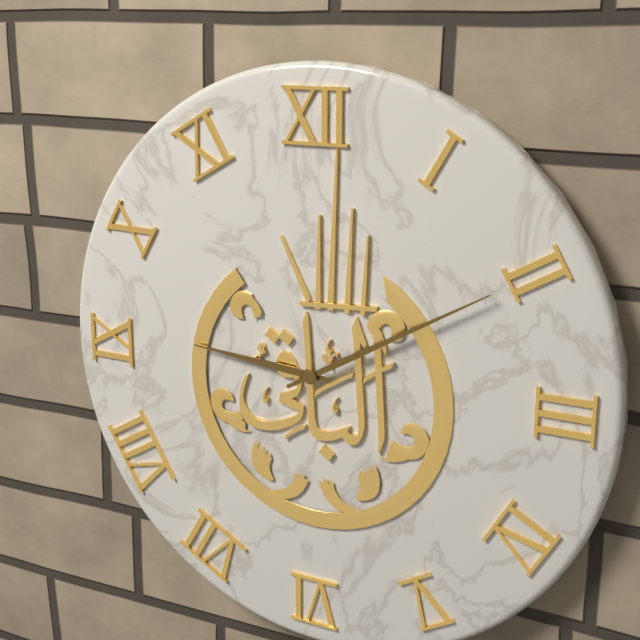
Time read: 9:10
